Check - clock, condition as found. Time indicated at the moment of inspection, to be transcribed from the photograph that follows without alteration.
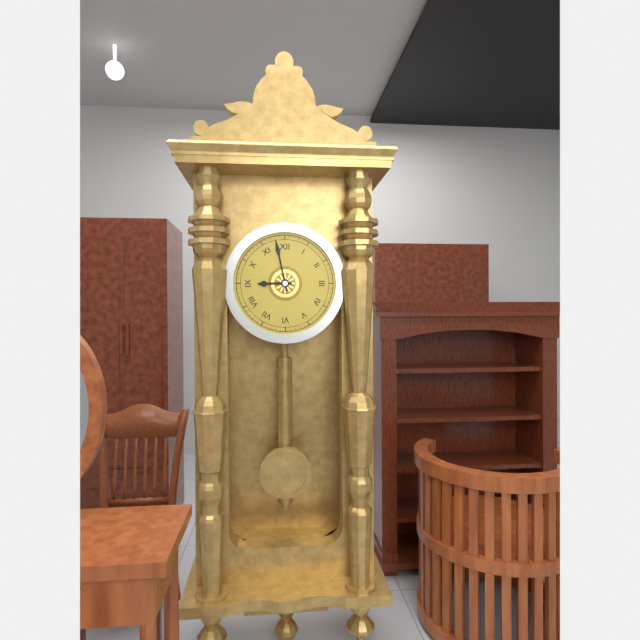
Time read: 8:58
